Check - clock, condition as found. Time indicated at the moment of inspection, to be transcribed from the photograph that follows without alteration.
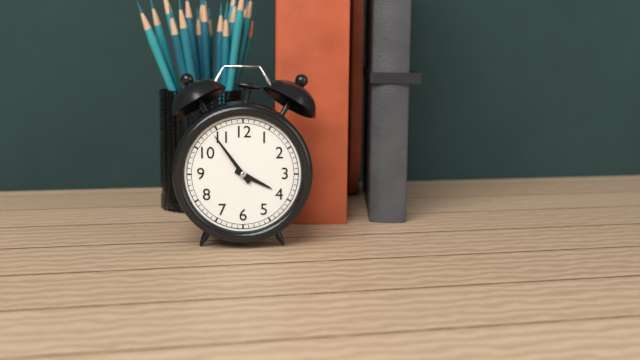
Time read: 3:54
